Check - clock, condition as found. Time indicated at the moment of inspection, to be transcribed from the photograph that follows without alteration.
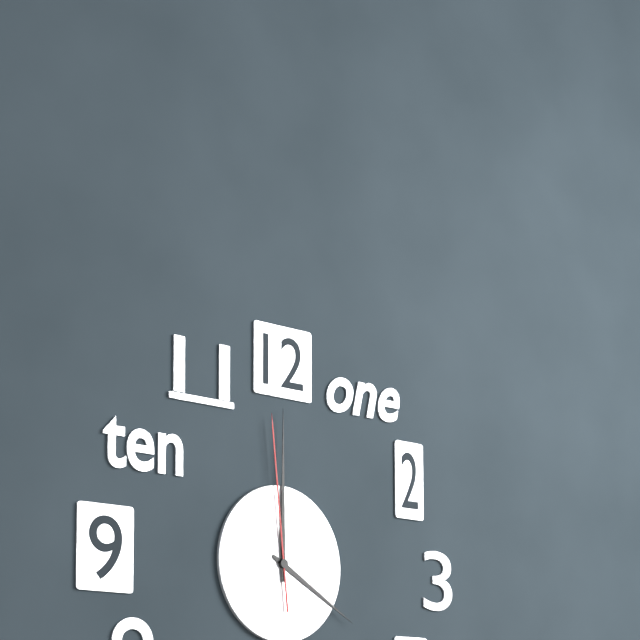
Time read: 4:00:59
